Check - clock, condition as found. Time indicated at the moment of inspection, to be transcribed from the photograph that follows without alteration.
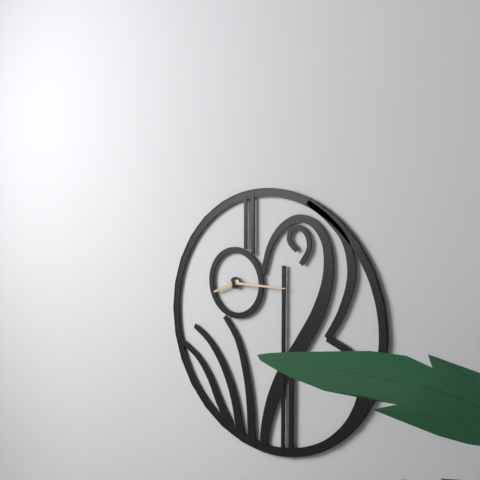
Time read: 8:15
